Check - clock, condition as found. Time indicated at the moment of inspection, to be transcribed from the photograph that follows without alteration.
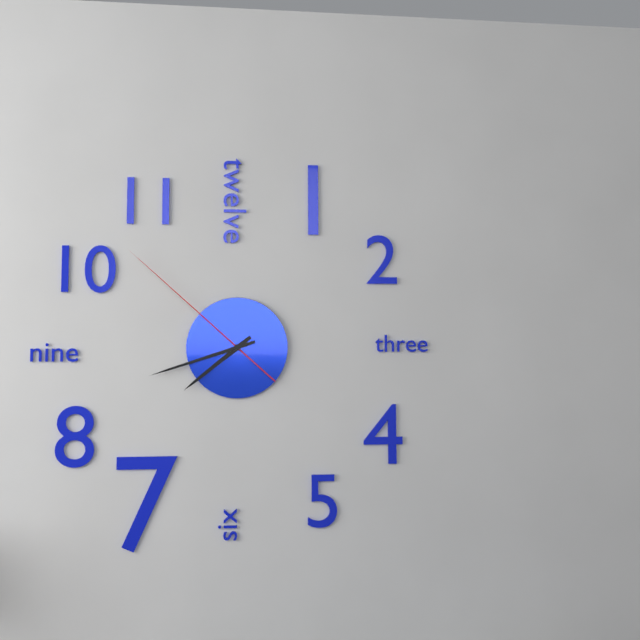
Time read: 7:42:52
